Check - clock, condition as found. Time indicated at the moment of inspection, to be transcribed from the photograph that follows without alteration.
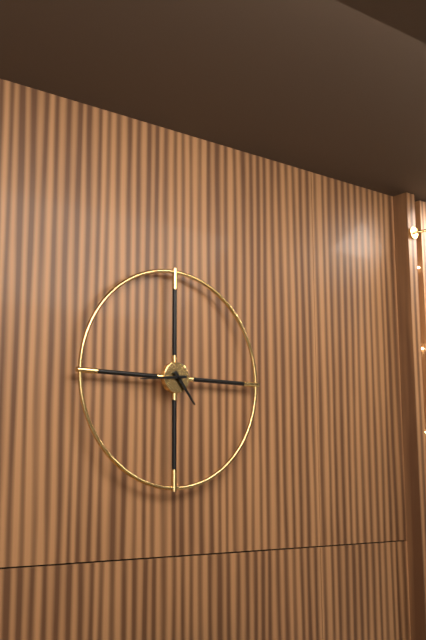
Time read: 4:44
